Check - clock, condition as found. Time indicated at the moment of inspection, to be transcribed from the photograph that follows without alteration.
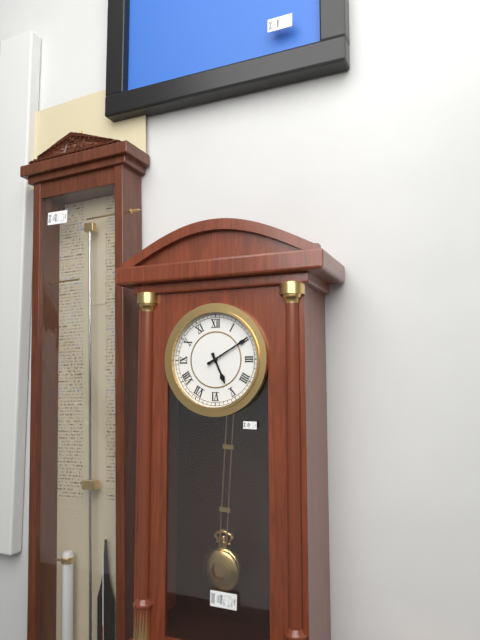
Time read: 5:10
